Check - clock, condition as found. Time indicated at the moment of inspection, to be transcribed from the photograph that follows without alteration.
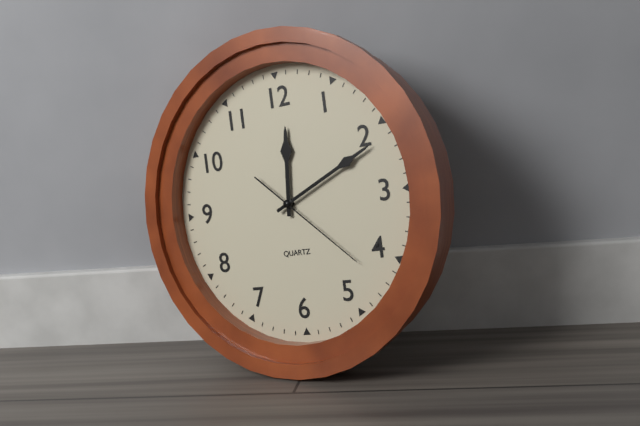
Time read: 12:11:22
